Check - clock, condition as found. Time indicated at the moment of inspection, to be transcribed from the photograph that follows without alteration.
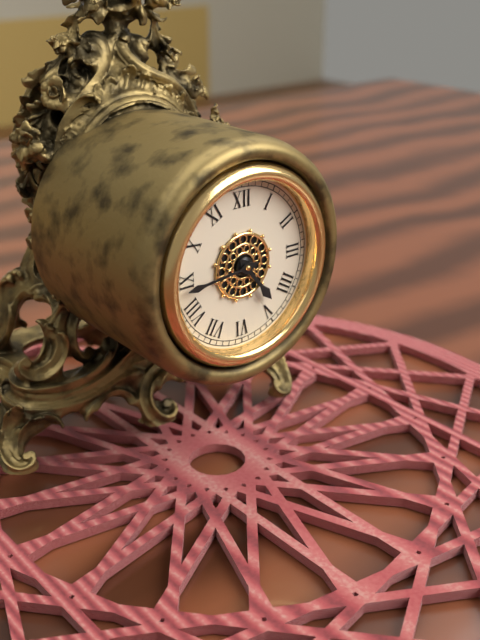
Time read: 4:44
